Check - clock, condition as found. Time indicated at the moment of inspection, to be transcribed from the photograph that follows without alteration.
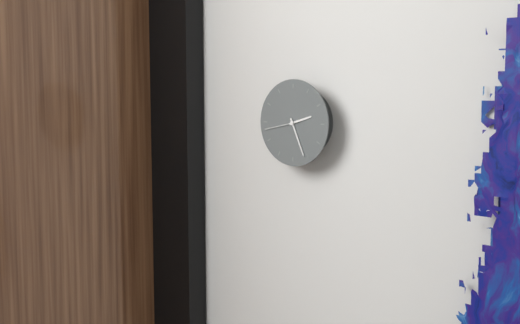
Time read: 2:26
